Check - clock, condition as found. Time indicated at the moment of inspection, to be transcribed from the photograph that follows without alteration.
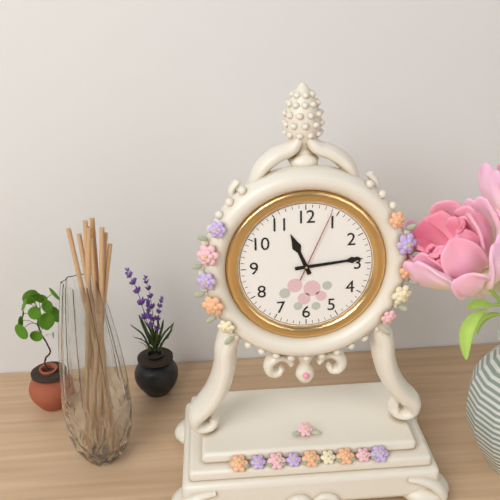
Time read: 11:14:04
